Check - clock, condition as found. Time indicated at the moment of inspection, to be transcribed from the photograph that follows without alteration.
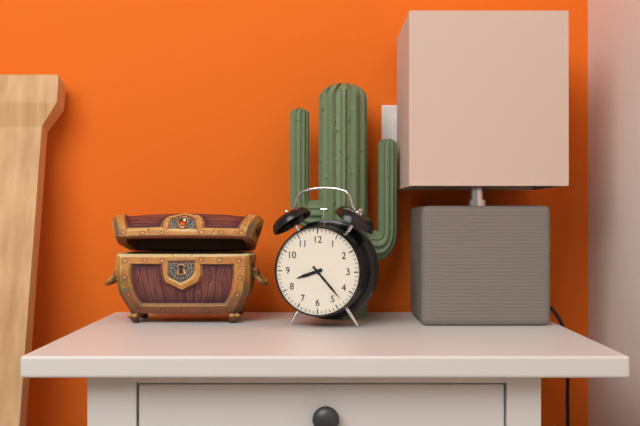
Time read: 8:23
